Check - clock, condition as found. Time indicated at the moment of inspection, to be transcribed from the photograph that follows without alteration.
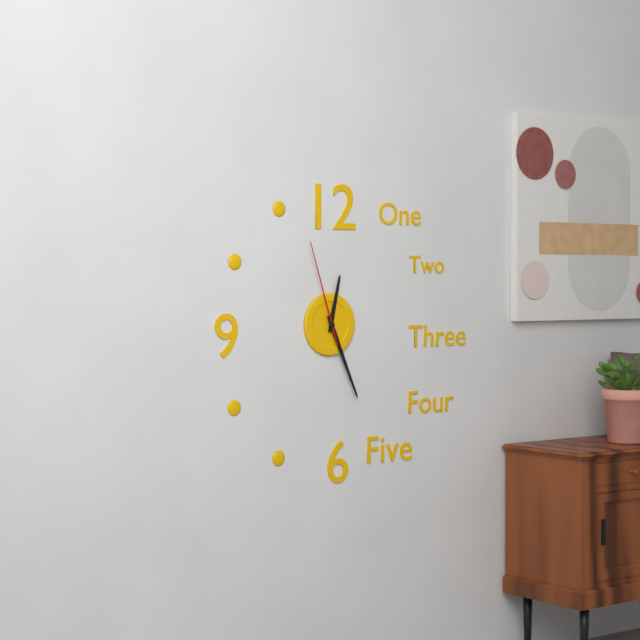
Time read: 12:26:57
